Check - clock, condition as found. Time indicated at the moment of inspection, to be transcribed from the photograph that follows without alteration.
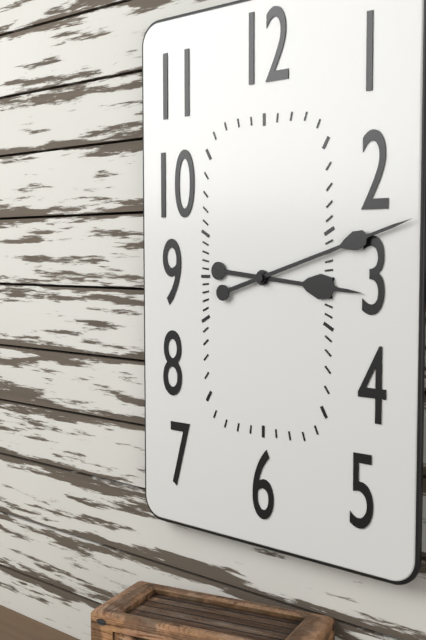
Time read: 3:12
